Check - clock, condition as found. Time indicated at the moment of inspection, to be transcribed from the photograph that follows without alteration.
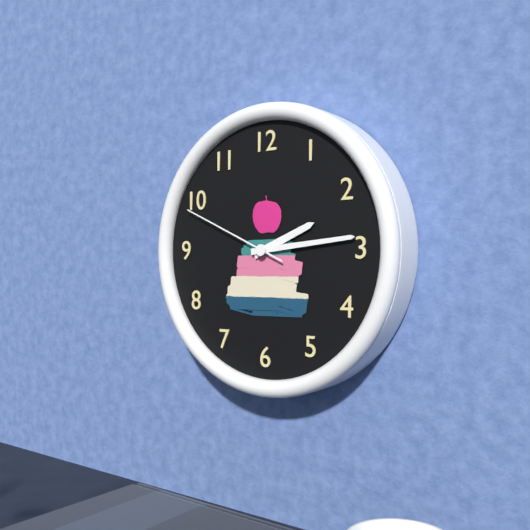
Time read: 2:14:49
